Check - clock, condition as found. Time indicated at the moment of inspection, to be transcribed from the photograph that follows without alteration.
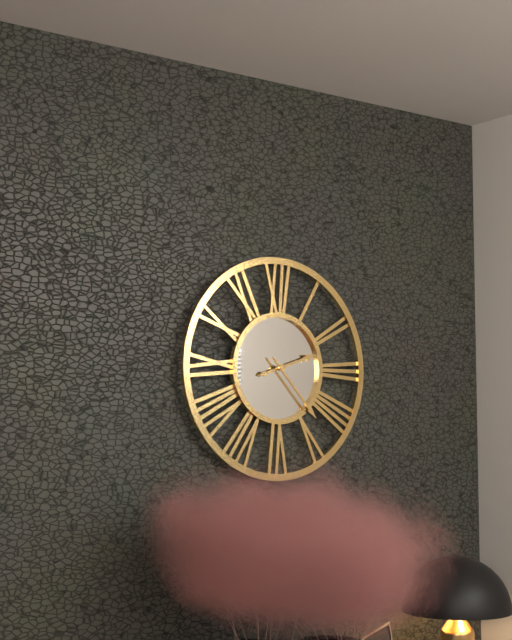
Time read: 2:23
